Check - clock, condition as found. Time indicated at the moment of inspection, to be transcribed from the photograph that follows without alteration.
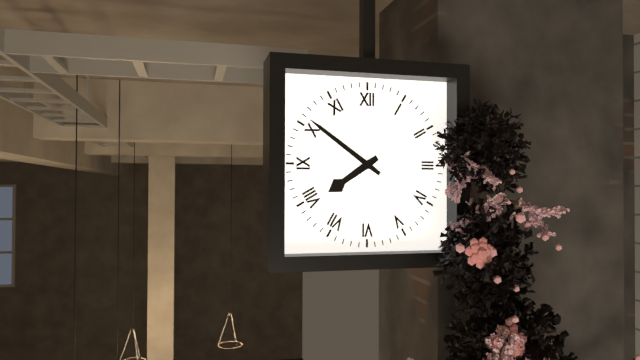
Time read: 7:51
